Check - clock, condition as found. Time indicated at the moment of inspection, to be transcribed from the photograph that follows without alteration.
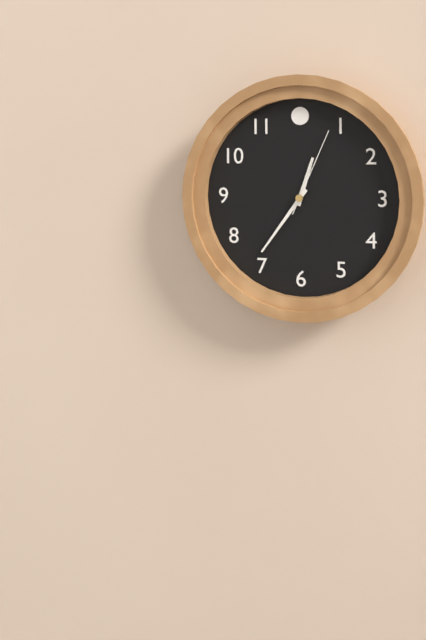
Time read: 12:36:04
